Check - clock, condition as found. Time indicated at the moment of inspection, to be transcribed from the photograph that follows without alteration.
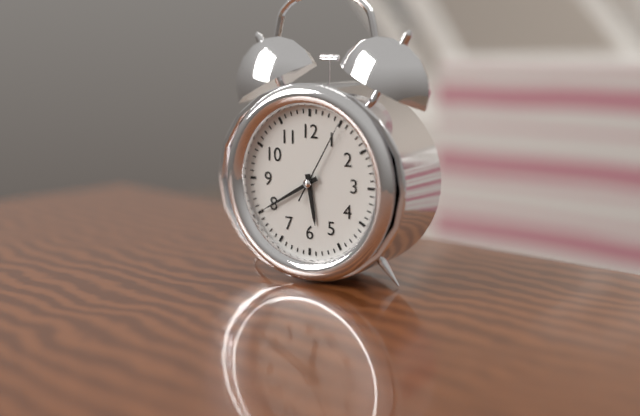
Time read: 5:40:05
